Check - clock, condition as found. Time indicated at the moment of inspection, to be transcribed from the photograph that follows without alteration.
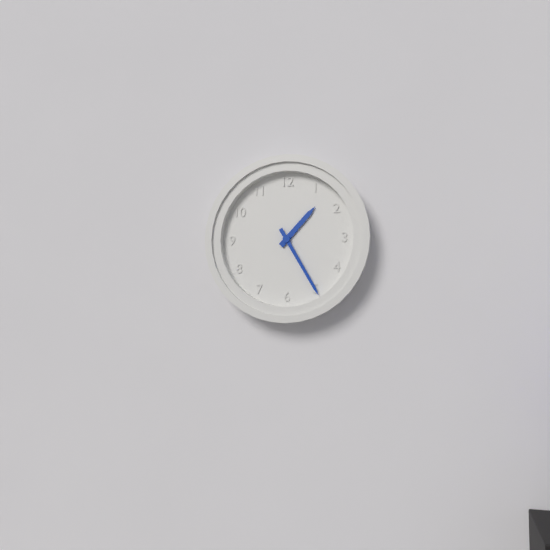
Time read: 1:25
